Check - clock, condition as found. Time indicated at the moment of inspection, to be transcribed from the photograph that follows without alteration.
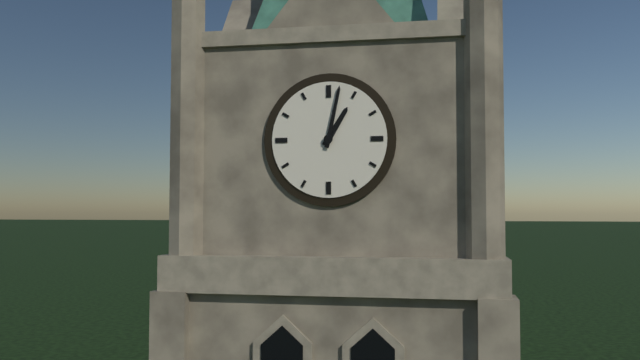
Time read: 1:02
